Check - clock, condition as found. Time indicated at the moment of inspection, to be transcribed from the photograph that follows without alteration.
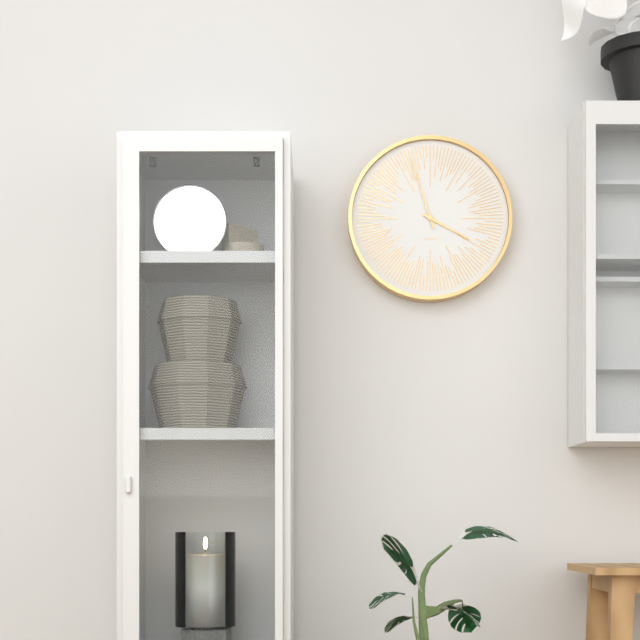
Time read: 3:57
